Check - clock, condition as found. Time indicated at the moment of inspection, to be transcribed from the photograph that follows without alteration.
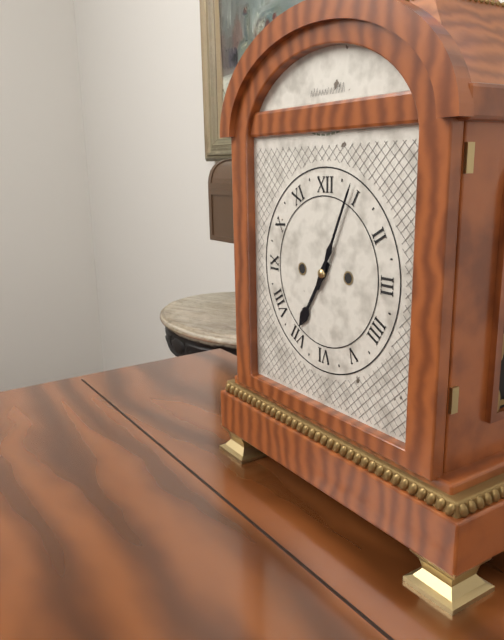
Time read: 7:04
